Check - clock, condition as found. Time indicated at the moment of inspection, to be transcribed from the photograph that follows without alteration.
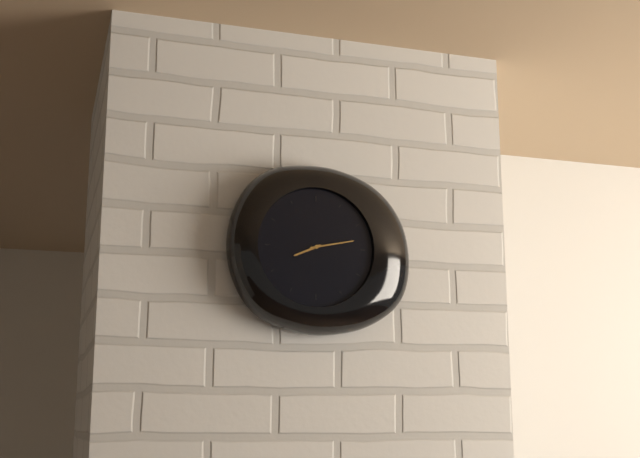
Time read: 8:13
